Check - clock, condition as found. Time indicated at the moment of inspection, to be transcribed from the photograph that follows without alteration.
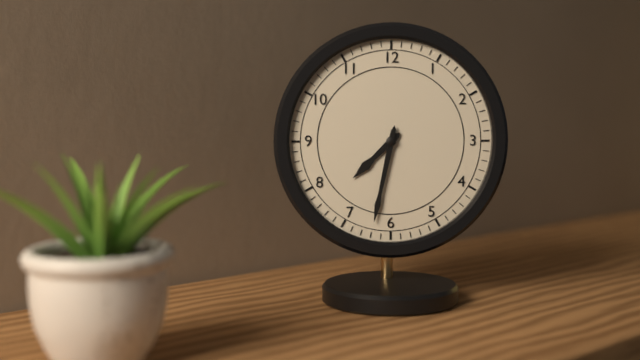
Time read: 7:32
